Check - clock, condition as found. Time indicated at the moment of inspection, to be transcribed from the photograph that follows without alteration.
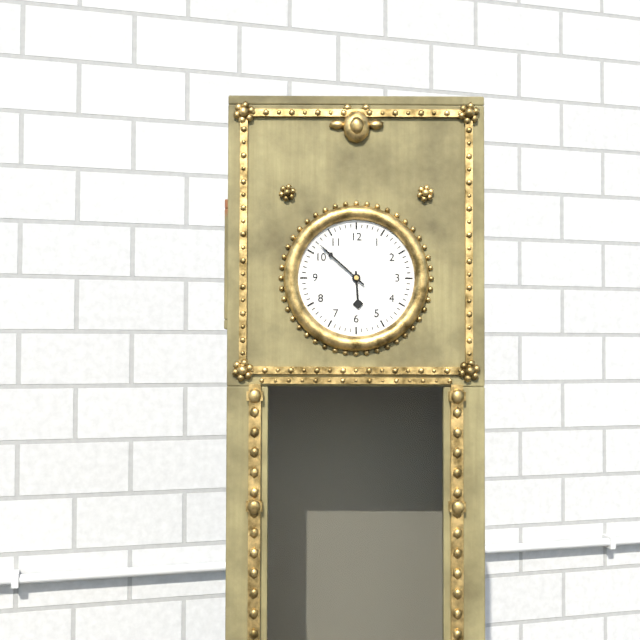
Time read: 5:52
